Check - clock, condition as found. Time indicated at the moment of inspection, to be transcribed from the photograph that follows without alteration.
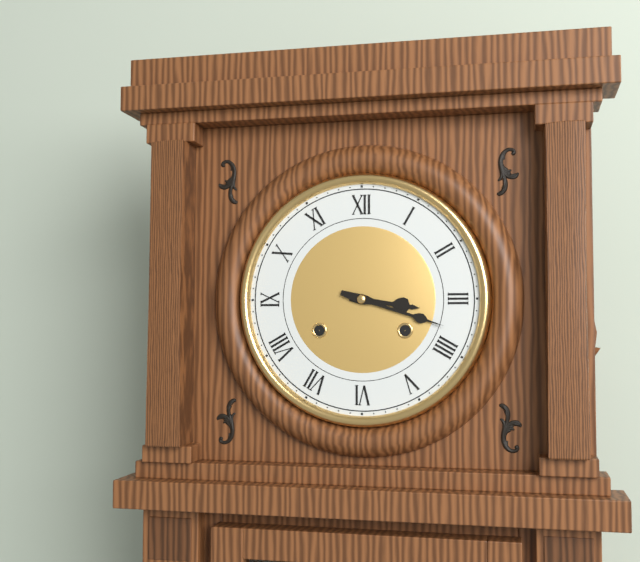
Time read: 3:18
